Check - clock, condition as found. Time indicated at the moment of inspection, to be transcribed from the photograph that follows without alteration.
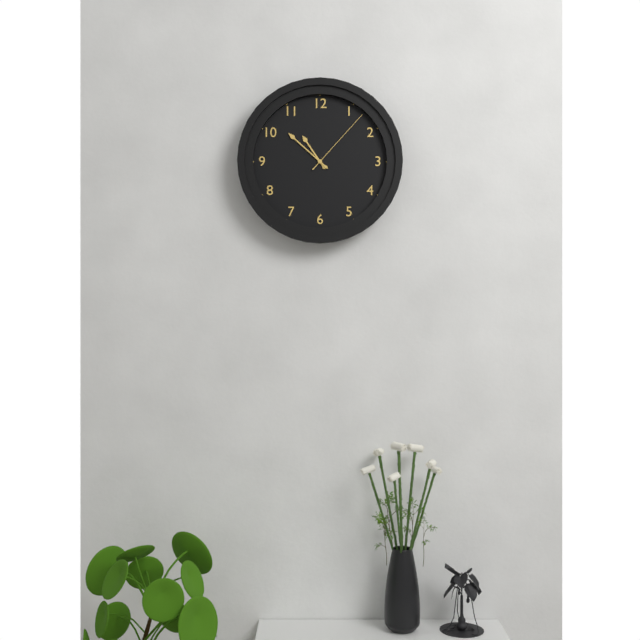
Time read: 10:52:07
